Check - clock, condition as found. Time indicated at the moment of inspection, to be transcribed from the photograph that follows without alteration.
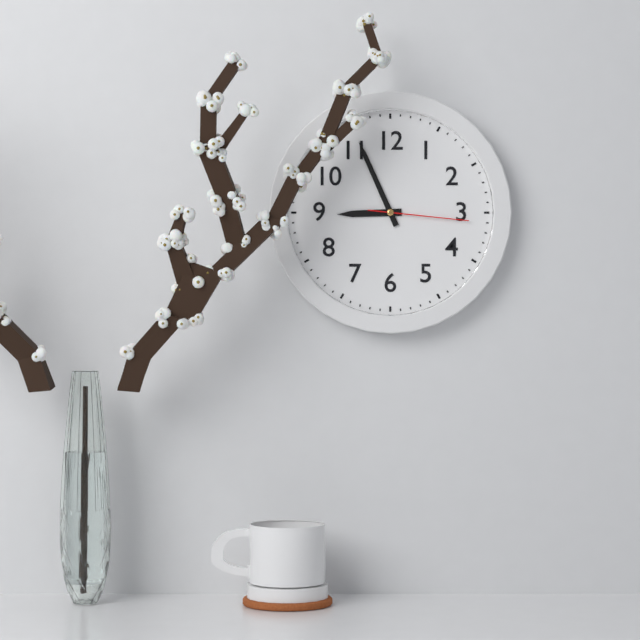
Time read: 8:56:16
